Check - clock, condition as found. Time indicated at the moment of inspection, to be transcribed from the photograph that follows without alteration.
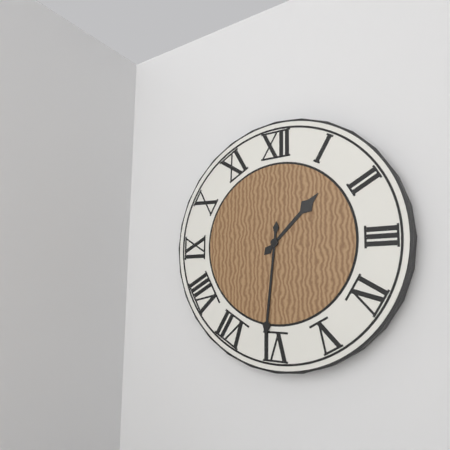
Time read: 1:31
